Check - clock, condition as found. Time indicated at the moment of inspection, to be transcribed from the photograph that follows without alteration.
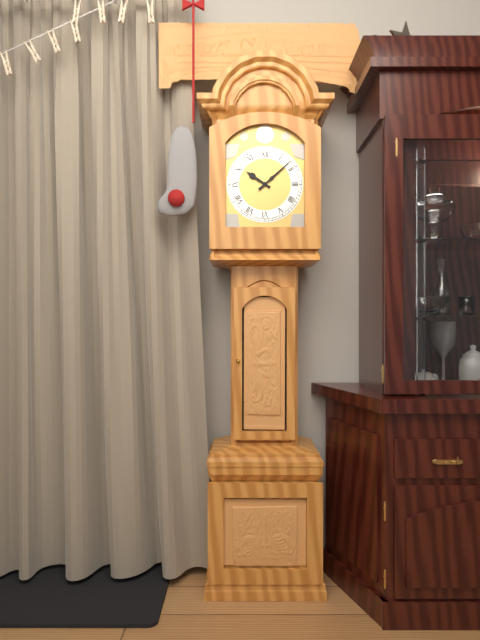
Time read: 10:08
